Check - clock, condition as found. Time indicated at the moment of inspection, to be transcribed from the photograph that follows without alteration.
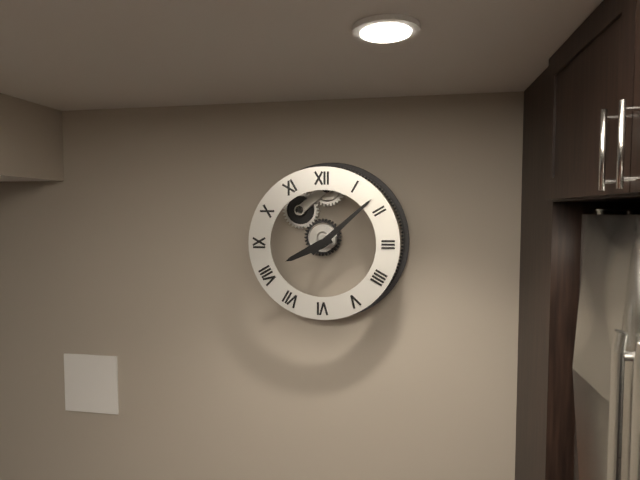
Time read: 8:08
